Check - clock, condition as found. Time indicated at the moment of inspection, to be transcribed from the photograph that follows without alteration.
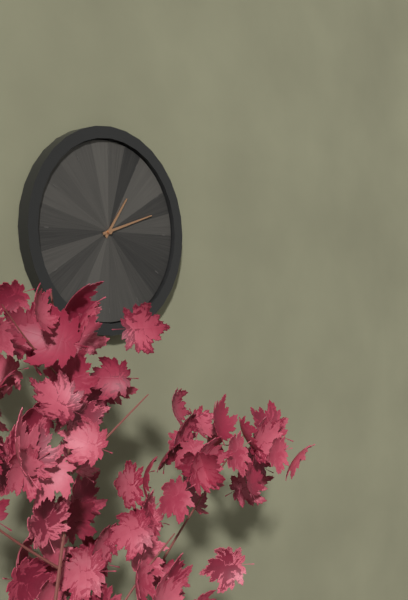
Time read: 1:12
